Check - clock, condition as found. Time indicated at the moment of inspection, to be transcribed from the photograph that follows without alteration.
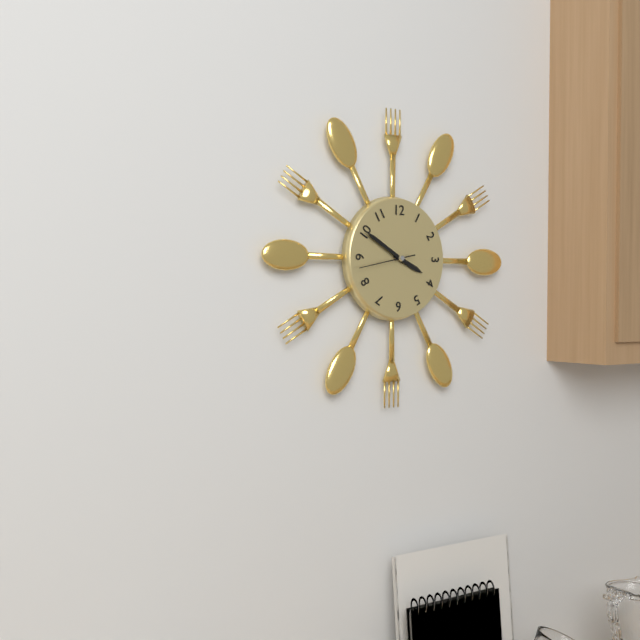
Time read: 3:50:43
